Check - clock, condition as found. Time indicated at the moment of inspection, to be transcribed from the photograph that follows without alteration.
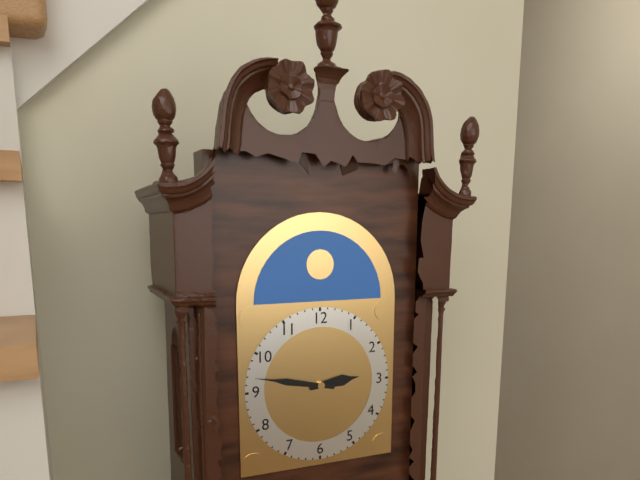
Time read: 2:47
